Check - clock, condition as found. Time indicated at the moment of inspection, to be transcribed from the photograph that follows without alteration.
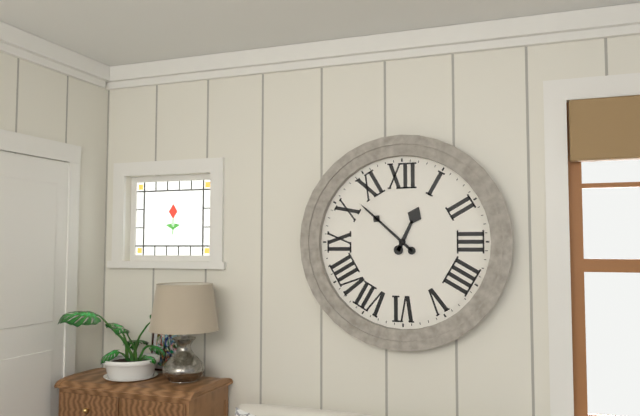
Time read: 12:52
